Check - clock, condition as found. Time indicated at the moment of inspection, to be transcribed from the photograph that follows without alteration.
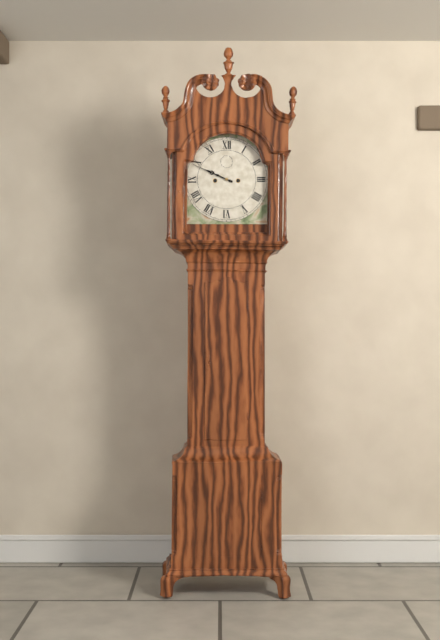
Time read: 9:49
